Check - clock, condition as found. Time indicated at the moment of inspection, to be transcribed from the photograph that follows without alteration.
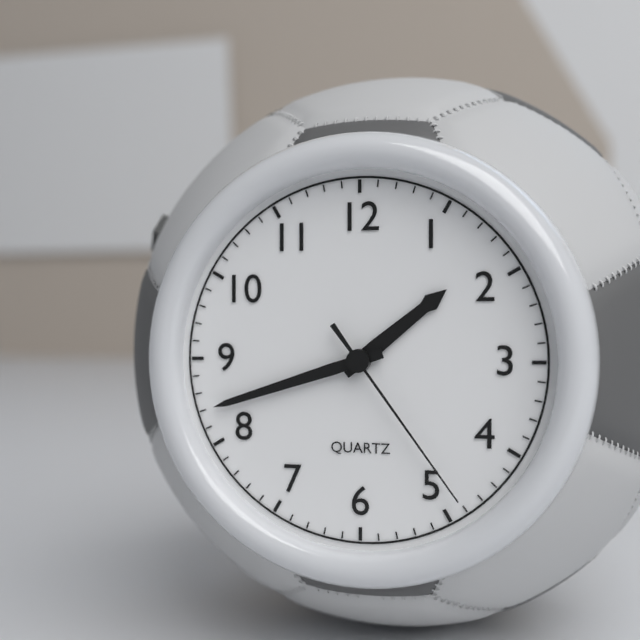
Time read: 1:42:24
